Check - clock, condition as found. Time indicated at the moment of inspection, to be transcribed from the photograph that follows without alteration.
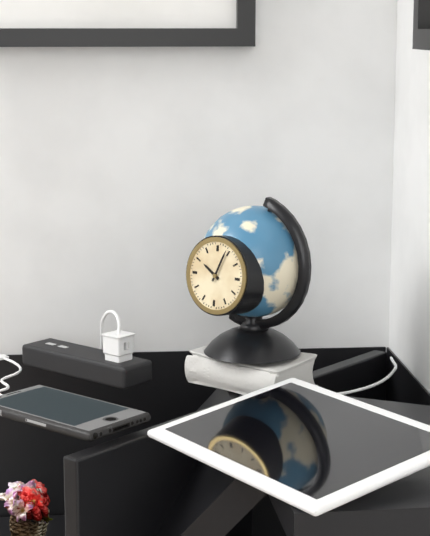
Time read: 10:04
